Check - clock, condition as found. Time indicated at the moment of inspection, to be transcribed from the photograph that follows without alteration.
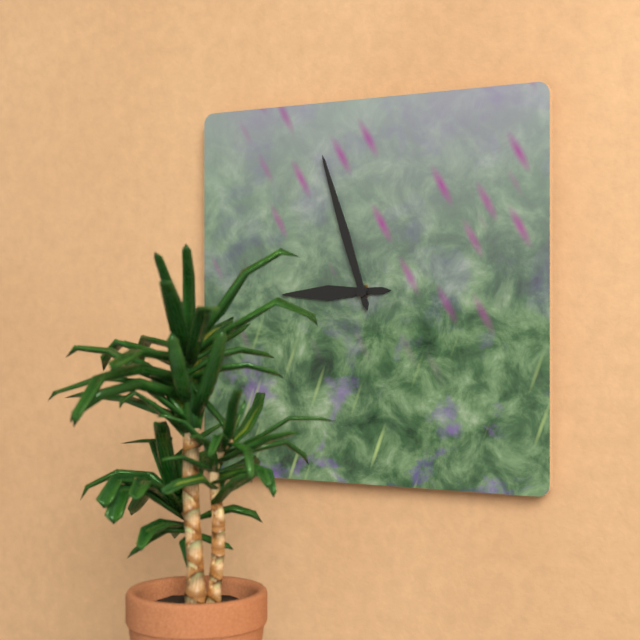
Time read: 8:57
